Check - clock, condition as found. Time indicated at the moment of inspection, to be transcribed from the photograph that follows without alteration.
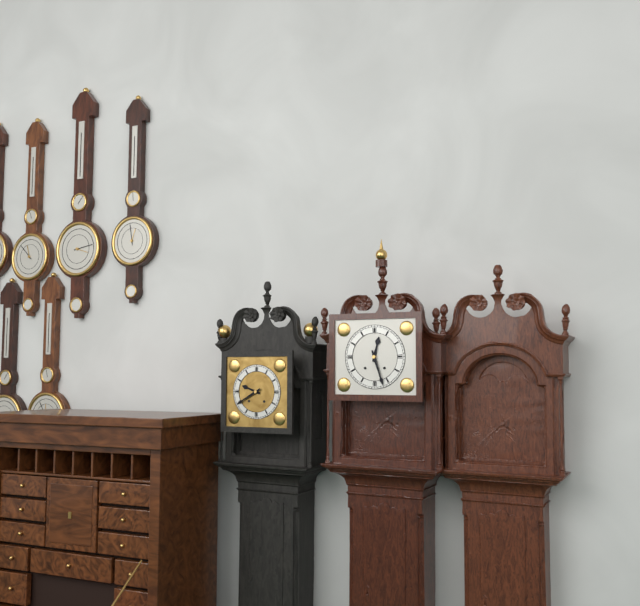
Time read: 12:27
